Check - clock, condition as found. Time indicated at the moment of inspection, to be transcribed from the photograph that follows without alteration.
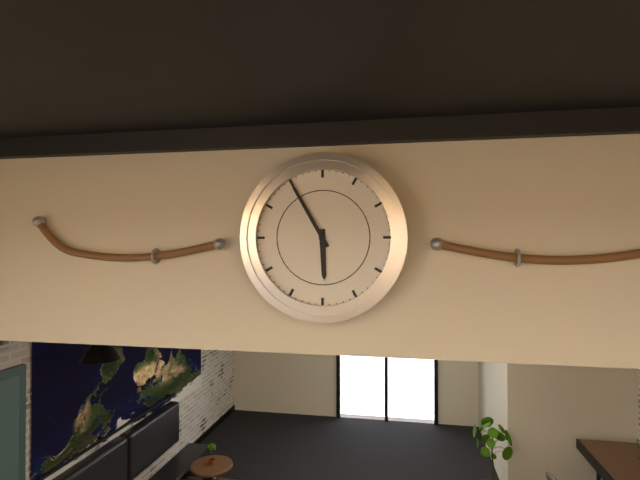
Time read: 5:55
